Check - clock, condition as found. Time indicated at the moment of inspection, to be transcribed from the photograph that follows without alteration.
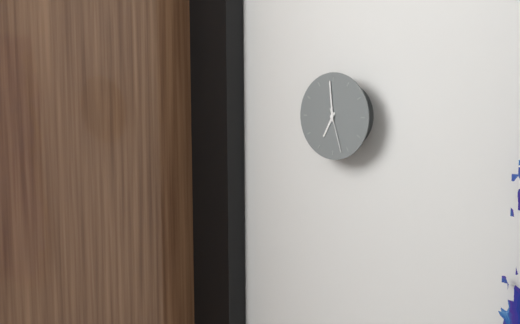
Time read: 6:59
